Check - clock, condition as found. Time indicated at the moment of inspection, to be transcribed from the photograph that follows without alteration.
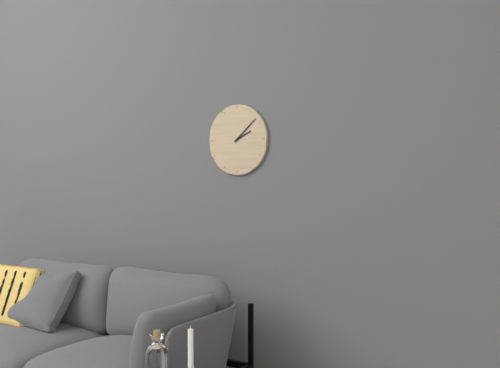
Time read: 2:08
